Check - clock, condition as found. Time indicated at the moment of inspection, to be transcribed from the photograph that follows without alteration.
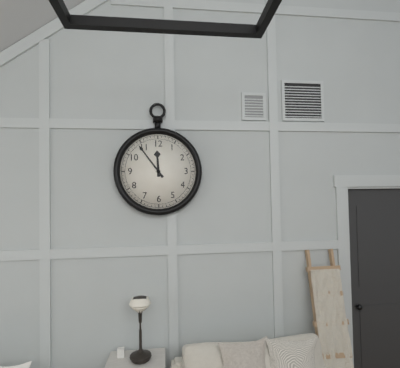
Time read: 11:54
